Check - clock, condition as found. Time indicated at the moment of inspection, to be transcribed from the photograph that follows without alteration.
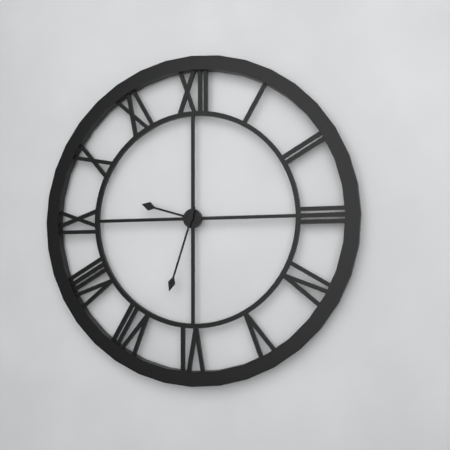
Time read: 9:33
